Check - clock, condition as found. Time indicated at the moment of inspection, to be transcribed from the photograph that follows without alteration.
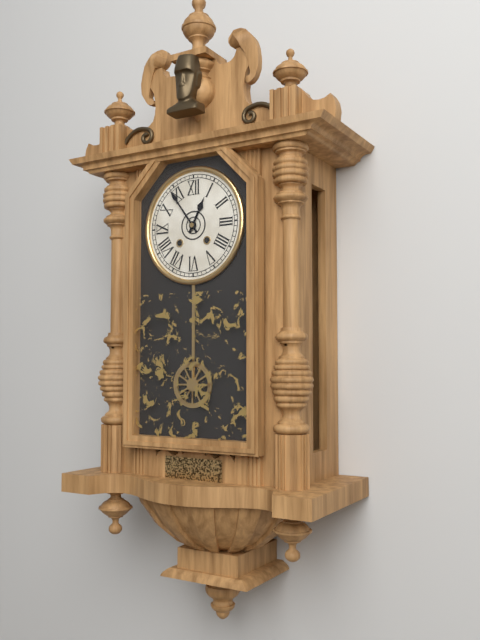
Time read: 12:54
